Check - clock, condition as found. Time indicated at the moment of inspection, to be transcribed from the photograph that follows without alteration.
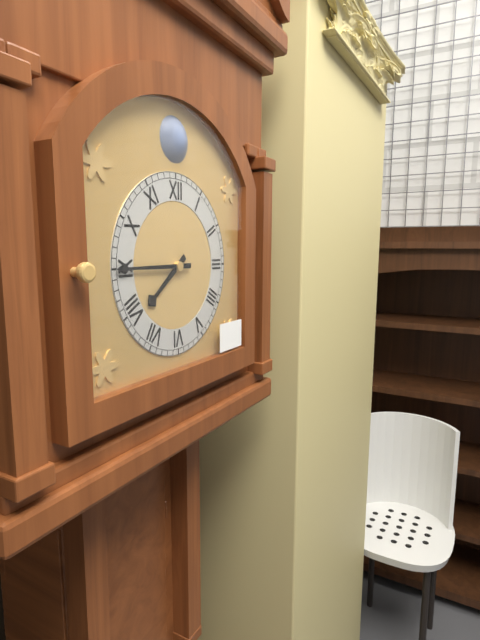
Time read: 7:45
